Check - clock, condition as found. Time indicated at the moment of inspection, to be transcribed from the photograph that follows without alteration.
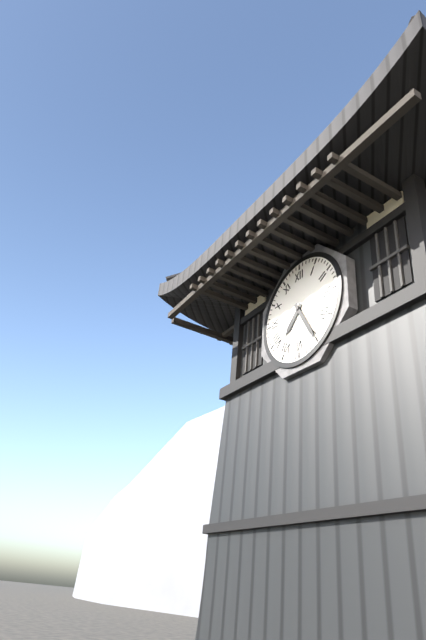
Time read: 7:25
